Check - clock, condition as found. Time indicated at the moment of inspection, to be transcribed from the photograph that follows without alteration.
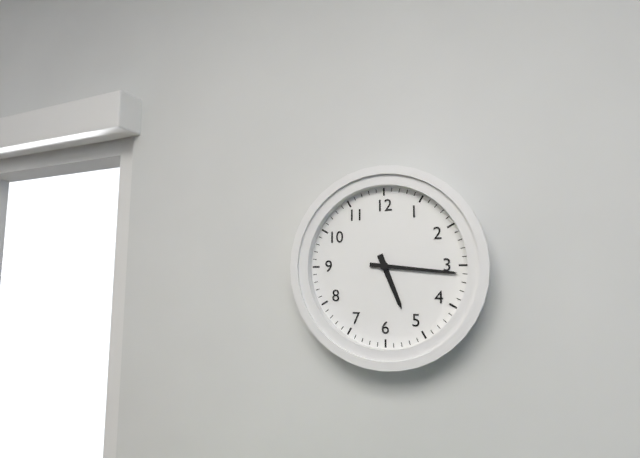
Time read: 5:16
